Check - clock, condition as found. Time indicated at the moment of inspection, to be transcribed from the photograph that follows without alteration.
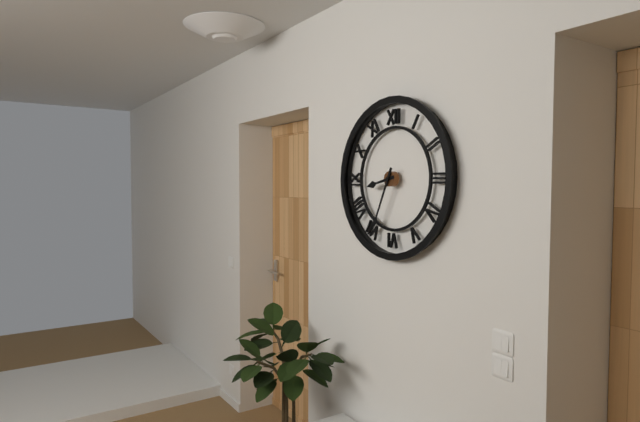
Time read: 8:34
